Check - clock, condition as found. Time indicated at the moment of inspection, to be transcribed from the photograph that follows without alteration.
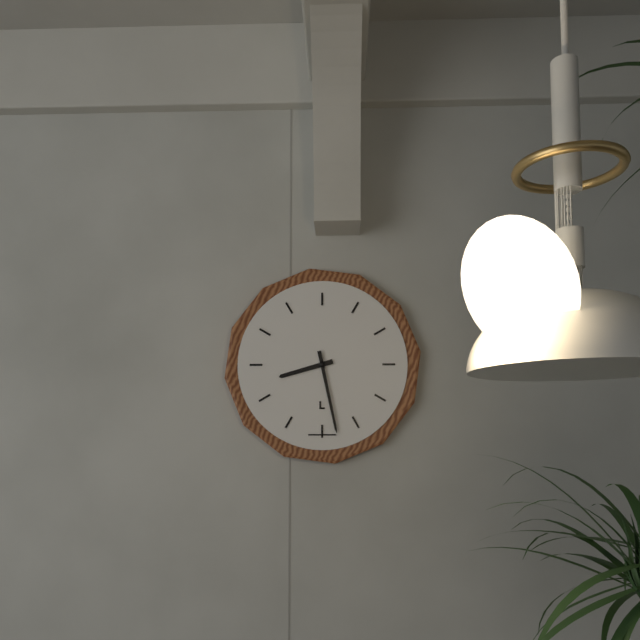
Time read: 8:28
